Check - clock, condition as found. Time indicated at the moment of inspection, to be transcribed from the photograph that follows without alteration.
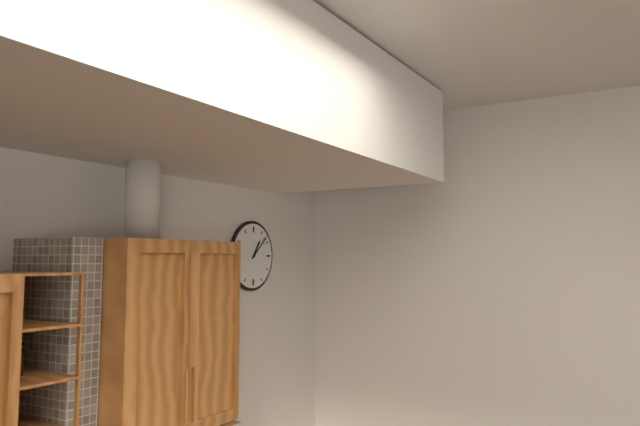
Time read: 1:08
